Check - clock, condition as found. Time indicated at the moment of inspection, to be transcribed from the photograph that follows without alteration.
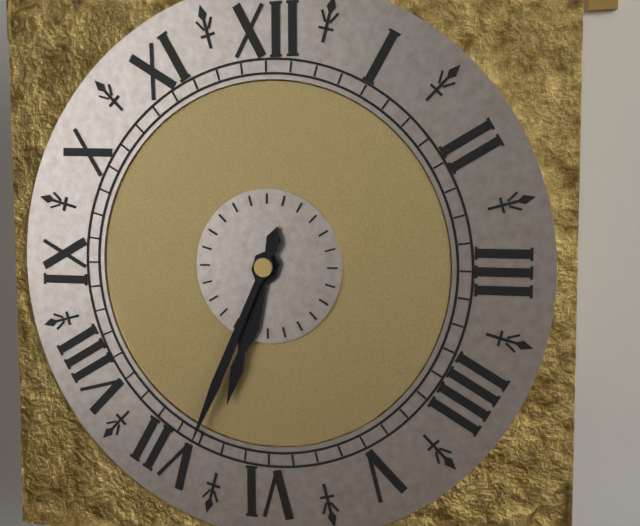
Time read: 6:34
